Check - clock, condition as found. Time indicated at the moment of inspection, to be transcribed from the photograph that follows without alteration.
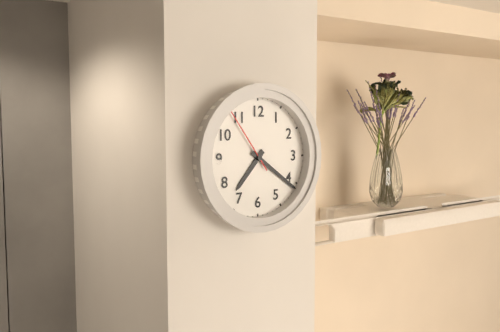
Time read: 7:21:54
